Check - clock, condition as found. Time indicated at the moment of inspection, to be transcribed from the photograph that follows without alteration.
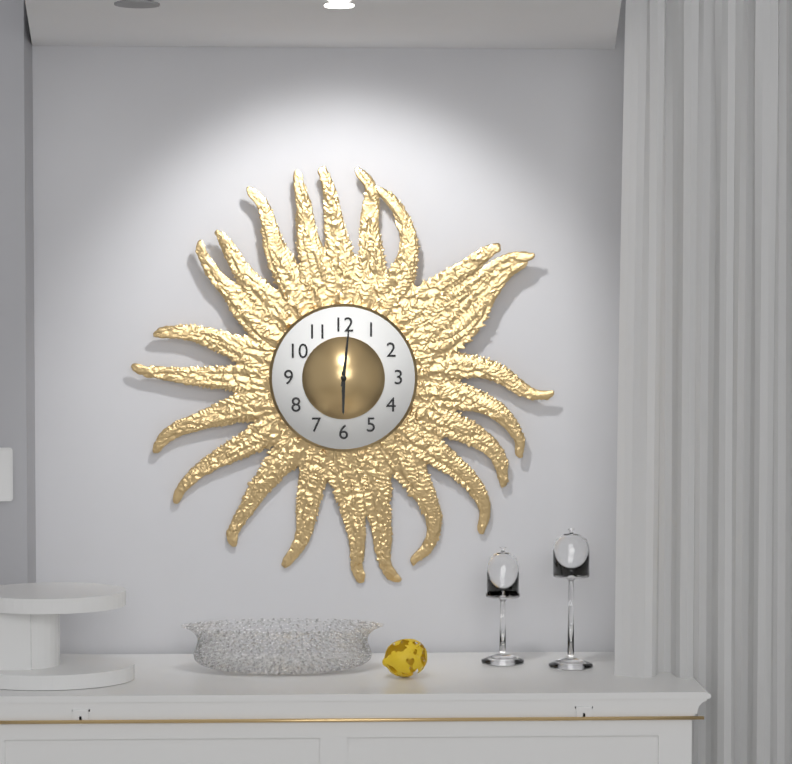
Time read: 6:01:01
